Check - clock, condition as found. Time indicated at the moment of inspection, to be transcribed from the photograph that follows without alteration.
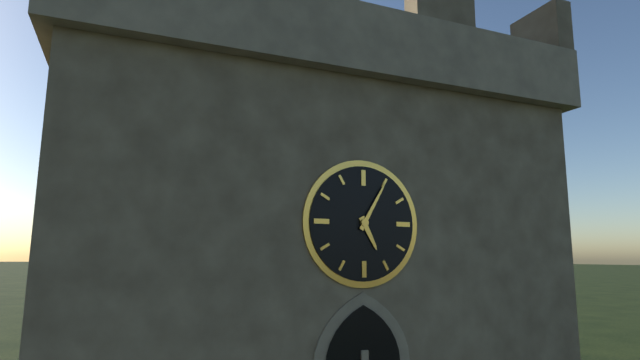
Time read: 5:05
